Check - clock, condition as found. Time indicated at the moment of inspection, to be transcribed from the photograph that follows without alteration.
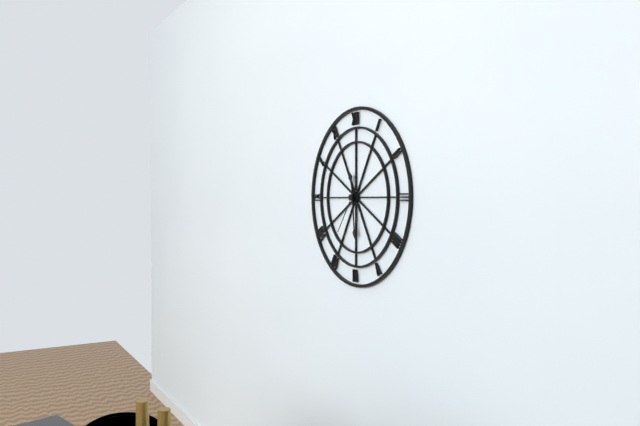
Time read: 11:29
